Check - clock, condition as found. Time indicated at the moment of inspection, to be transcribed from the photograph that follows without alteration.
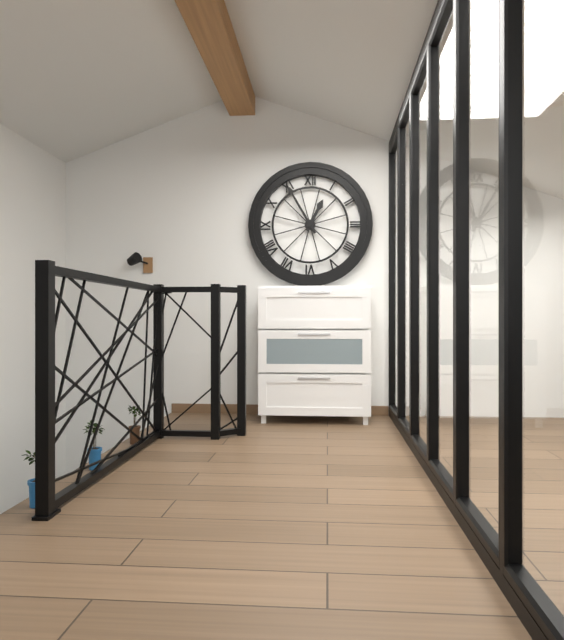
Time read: 12:55
